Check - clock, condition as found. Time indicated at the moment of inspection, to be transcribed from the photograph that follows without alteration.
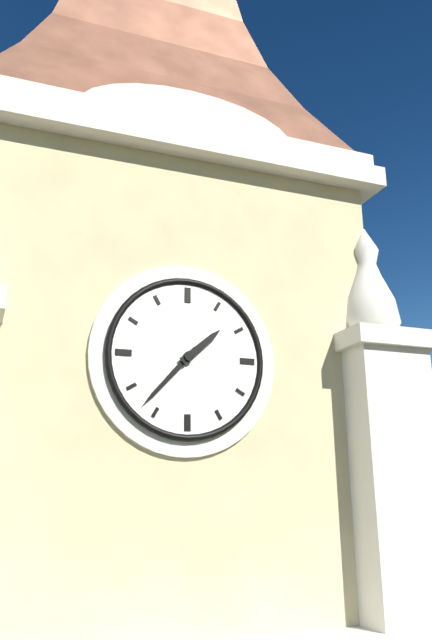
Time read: 1:37
